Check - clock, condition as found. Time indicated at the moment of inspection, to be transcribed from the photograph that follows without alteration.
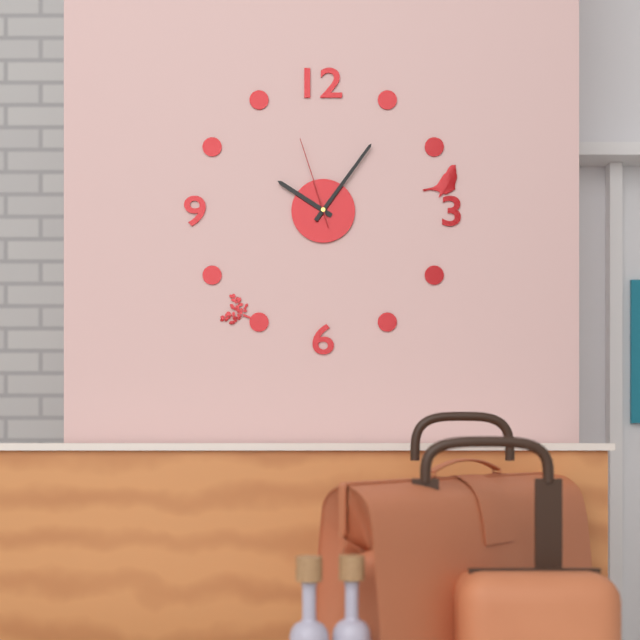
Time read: 10:06:57
